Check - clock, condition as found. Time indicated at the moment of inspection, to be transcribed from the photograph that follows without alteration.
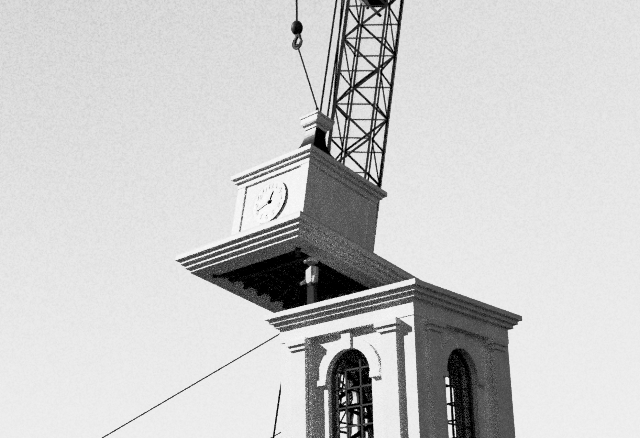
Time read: 12:42
